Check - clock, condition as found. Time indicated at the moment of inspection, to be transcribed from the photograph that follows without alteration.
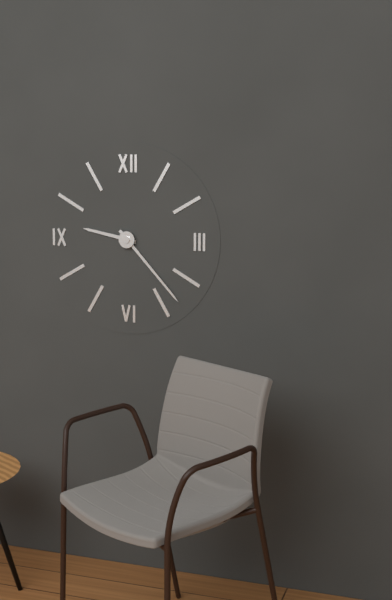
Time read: 9:23
